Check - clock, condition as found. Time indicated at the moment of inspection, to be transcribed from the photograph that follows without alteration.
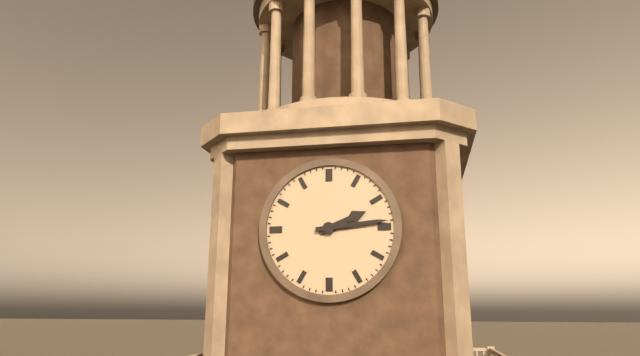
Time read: 2:14
